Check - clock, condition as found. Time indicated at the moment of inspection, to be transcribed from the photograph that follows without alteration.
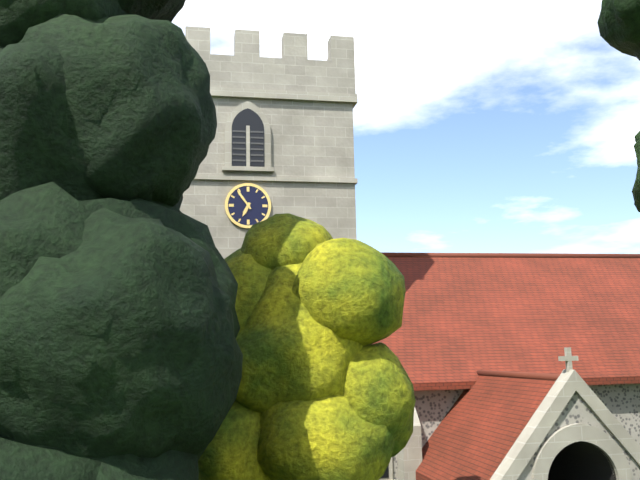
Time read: 6:54
